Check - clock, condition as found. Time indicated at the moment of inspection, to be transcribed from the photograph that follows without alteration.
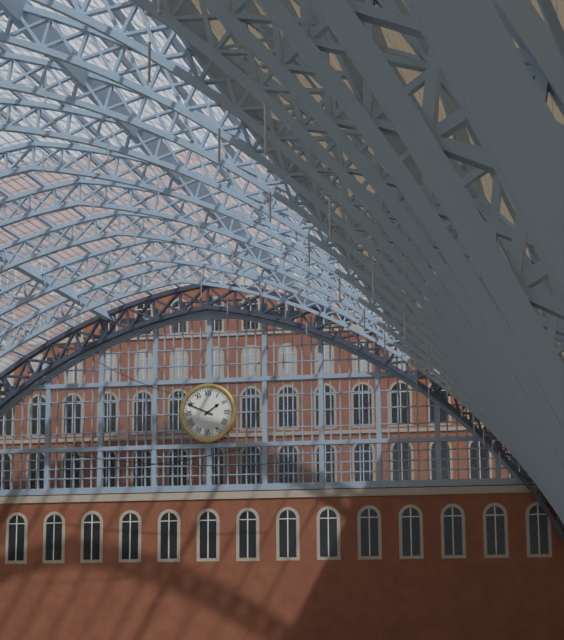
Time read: 1:49
